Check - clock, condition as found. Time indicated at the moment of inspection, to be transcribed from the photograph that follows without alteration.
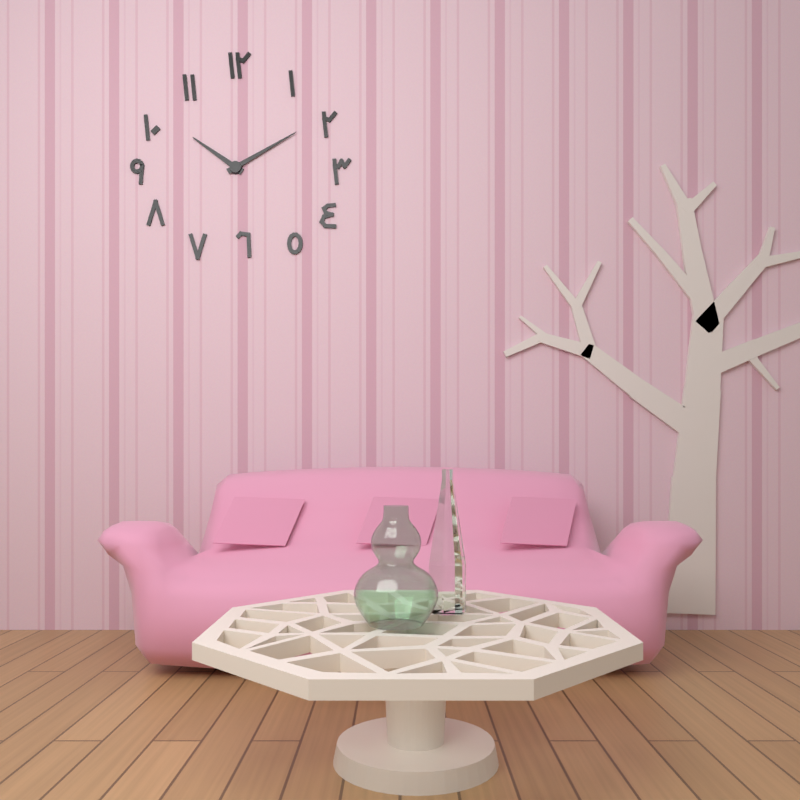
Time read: 10:10
